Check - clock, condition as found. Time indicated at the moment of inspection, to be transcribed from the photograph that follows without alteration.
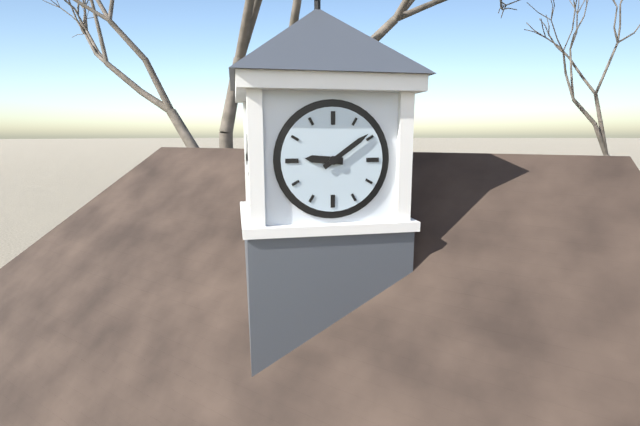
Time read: 9:09
